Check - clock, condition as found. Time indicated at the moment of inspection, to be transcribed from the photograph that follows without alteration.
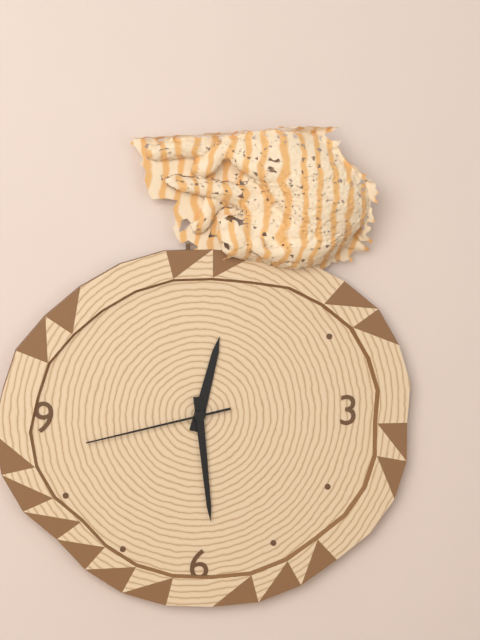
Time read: 12:29:43
